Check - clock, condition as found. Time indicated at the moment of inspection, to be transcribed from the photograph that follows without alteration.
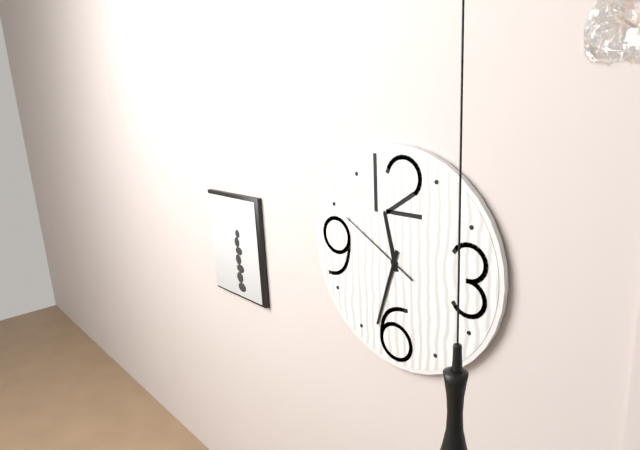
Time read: 11:33:50
